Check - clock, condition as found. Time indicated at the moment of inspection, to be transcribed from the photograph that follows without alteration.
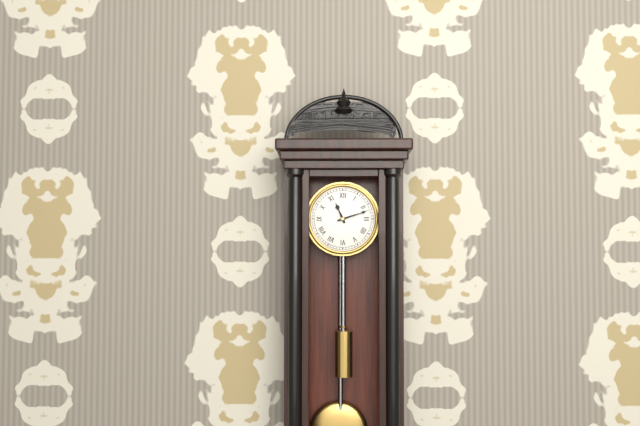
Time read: 11:12
